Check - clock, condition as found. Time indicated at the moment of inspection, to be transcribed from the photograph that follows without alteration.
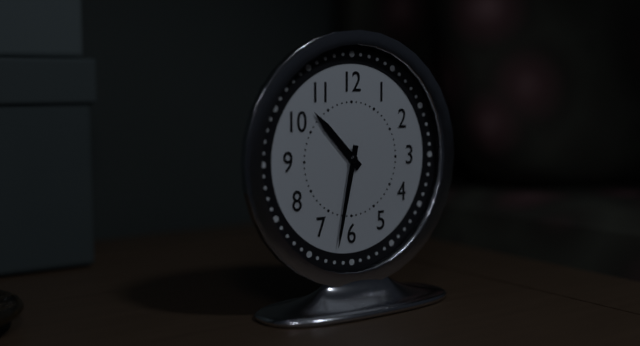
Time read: 10:32
